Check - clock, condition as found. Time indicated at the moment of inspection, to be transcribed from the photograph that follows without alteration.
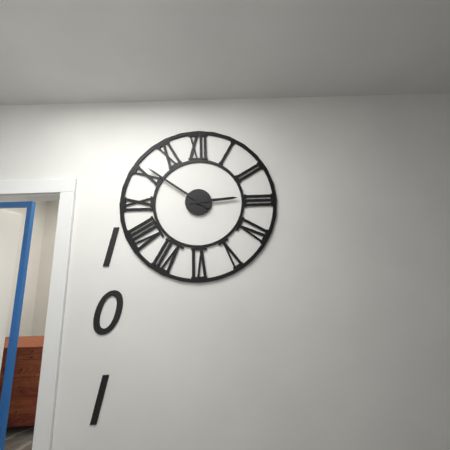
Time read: 2:51
